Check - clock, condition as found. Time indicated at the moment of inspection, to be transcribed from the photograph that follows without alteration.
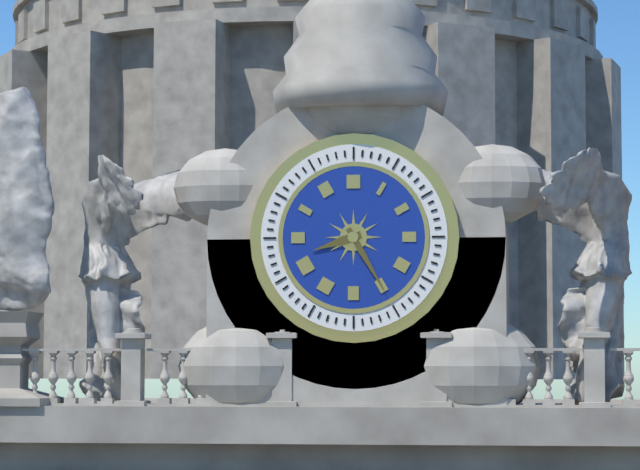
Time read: 8:25
